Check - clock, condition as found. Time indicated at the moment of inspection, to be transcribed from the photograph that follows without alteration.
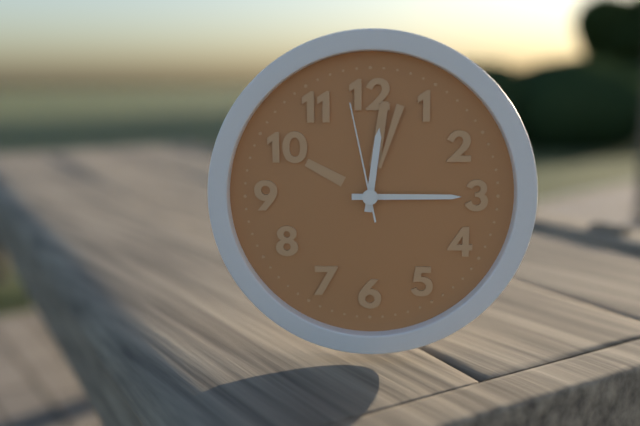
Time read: 12:15:58
